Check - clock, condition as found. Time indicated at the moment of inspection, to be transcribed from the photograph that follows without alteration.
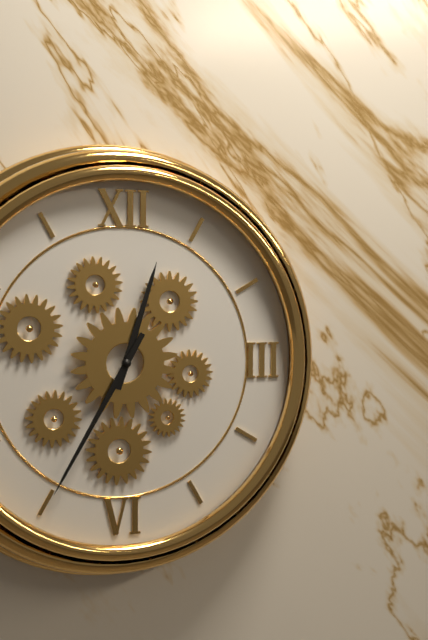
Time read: 12:35
